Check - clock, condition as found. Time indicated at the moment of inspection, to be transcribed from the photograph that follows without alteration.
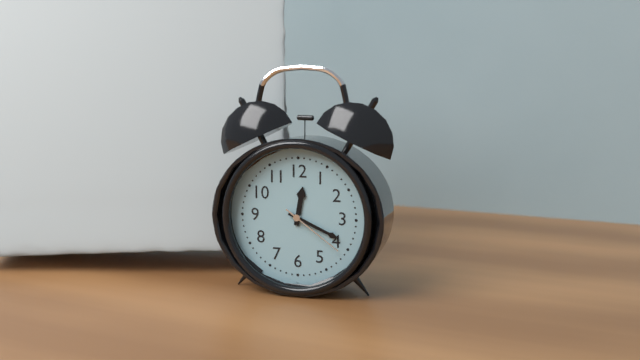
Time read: 12:19:21
